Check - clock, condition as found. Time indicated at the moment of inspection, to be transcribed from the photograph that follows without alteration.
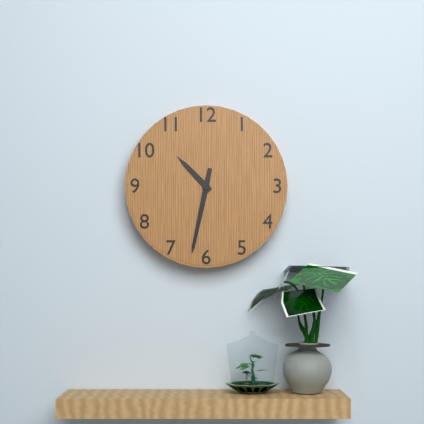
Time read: 10:32
